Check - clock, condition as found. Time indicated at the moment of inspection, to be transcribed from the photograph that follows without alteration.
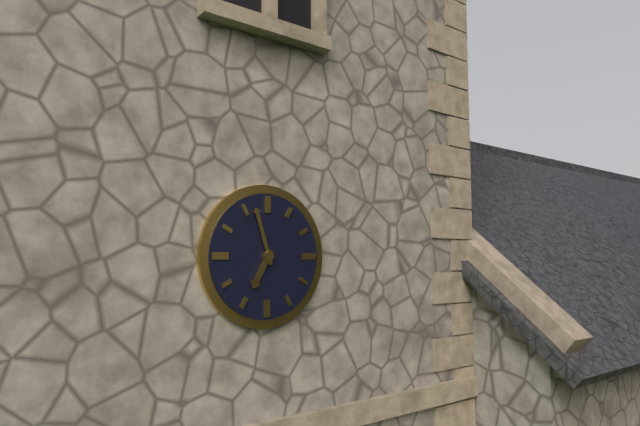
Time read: 6:57
